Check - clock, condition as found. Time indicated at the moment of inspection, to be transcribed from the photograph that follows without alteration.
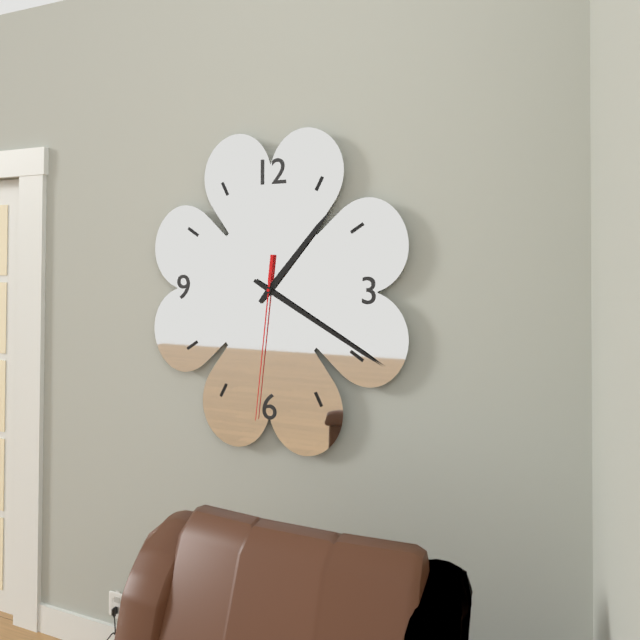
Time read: 1:20:31
